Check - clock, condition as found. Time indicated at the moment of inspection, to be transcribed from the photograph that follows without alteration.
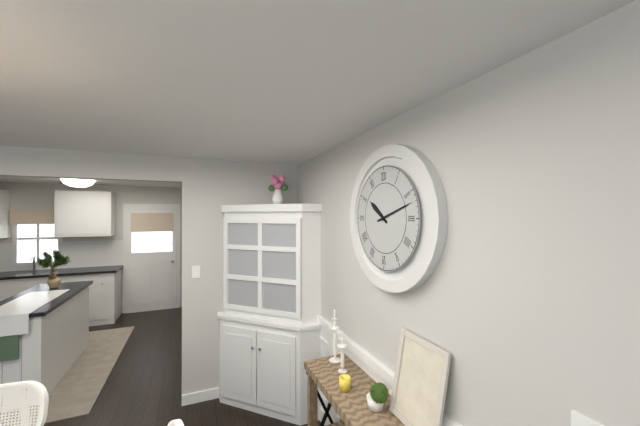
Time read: 10:12
